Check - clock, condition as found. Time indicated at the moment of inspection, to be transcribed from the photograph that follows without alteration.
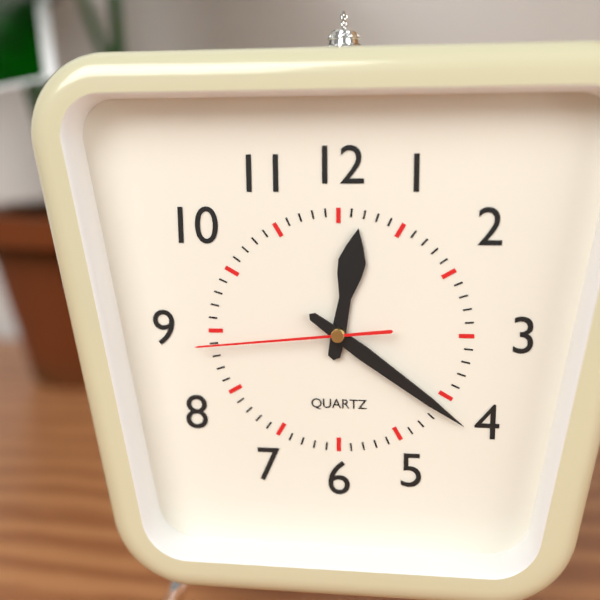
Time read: 12:21:44
